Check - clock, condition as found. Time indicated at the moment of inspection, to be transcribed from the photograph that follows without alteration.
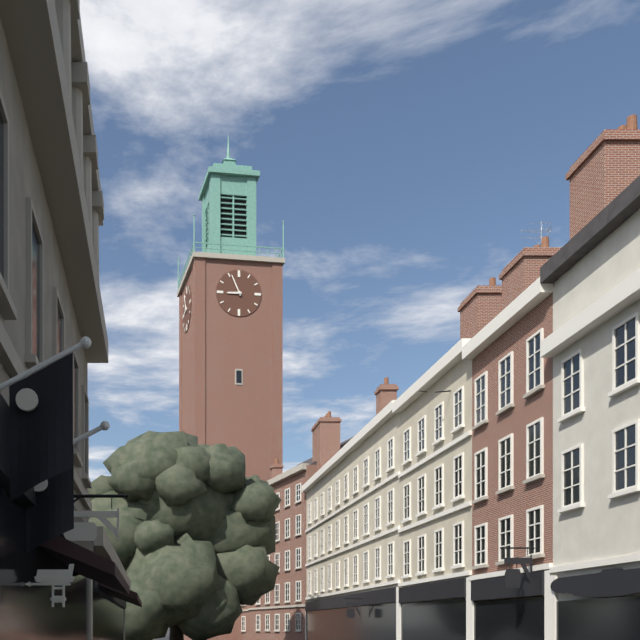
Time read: 8:56
